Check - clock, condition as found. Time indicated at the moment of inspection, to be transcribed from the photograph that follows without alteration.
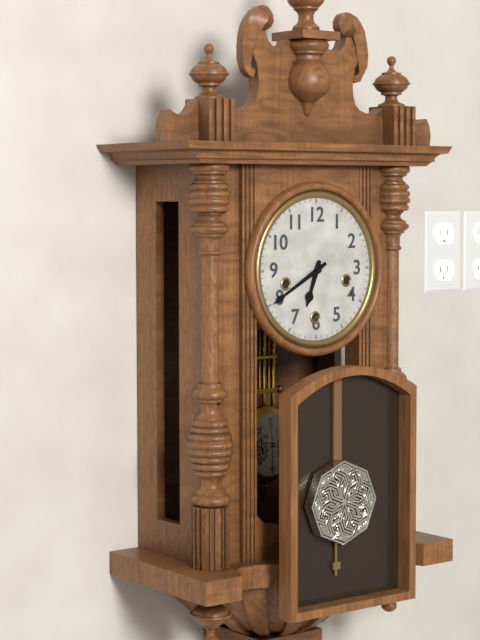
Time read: 6:40
